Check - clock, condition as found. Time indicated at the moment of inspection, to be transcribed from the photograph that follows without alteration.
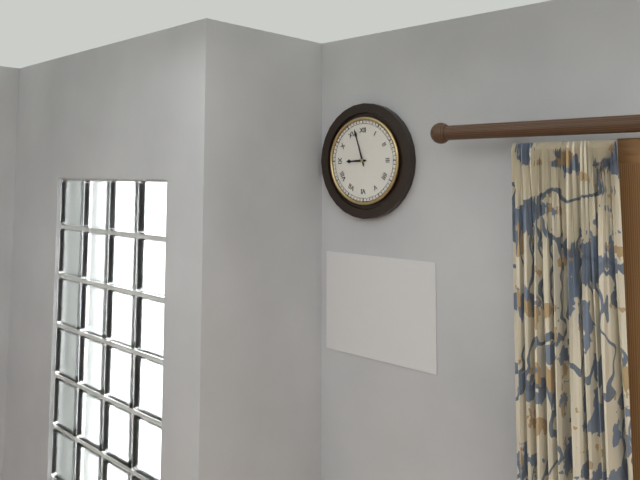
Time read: 8:57
